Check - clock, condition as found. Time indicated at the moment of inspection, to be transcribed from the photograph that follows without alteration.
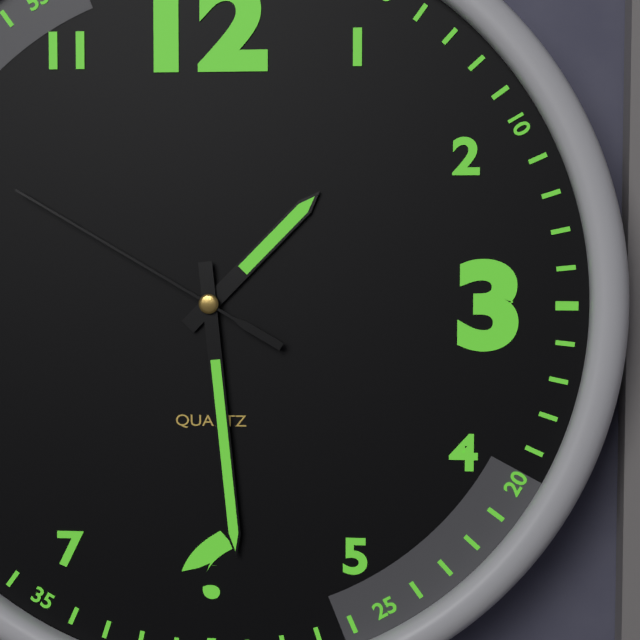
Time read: 1:29:50
